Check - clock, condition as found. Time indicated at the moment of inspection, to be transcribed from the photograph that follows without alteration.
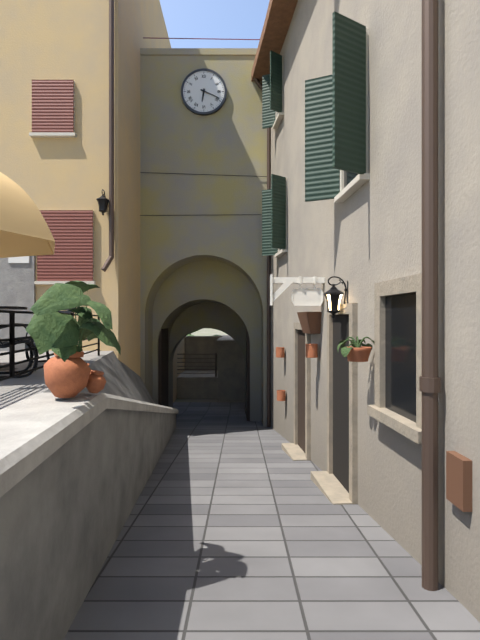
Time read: 6:19
